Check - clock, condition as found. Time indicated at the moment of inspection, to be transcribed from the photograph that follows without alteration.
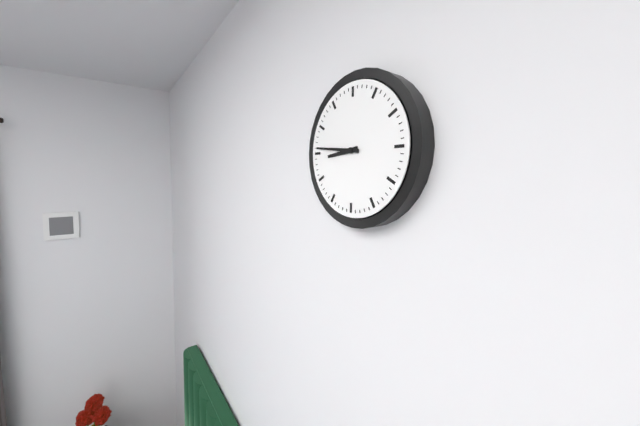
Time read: 8:46
